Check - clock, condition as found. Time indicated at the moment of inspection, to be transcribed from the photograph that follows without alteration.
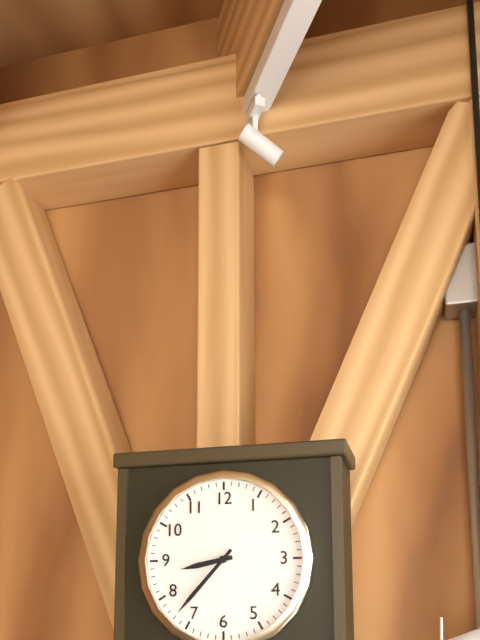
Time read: 8:37
